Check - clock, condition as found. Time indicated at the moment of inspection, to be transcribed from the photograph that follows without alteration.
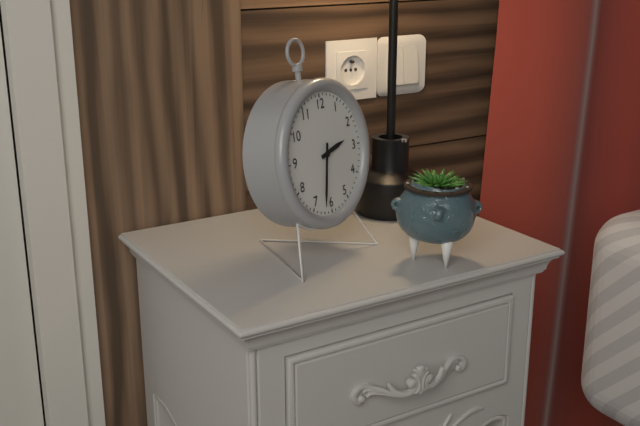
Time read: 2:32
